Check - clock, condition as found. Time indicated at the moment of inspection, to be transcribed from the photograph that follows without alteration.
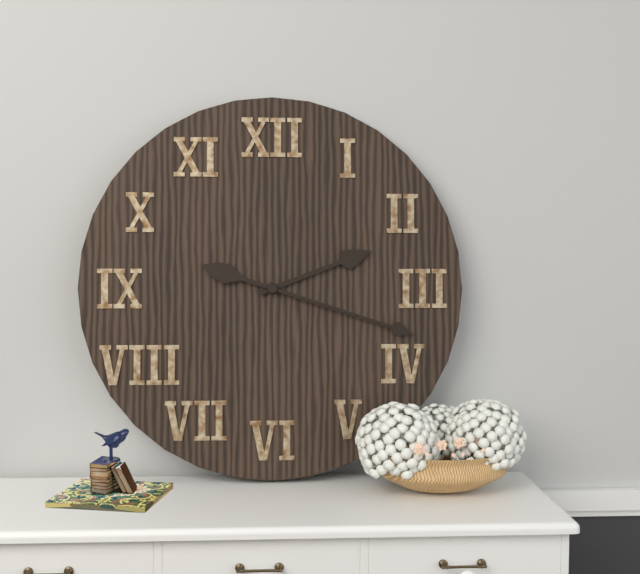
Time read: 2:18
